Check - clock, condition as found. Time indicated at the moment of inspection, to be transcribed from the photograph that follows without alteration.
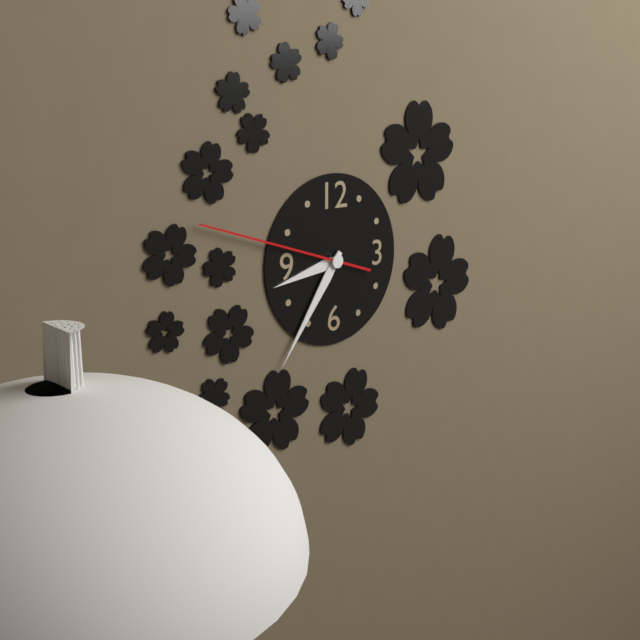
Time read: 8:36:48
